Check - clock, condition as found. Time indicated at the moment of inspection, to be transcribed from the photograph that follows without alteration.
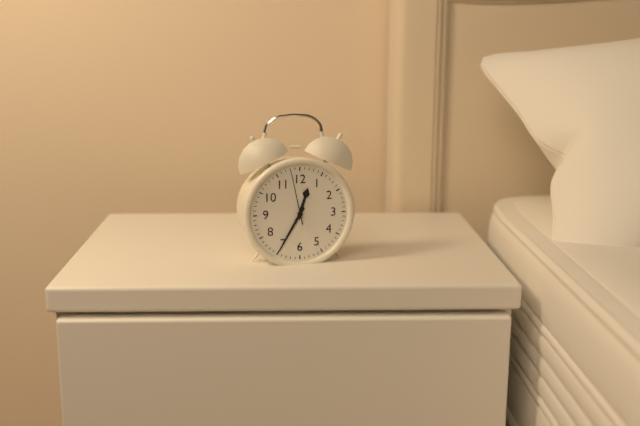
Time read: 12:35:58
